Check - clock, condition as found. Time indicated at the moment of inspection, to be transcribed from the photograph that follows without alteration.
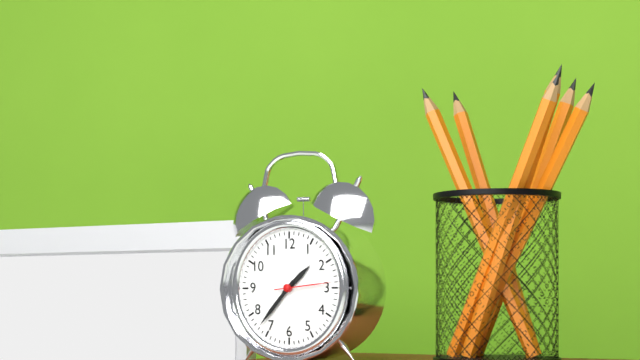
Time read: 1:37:14
